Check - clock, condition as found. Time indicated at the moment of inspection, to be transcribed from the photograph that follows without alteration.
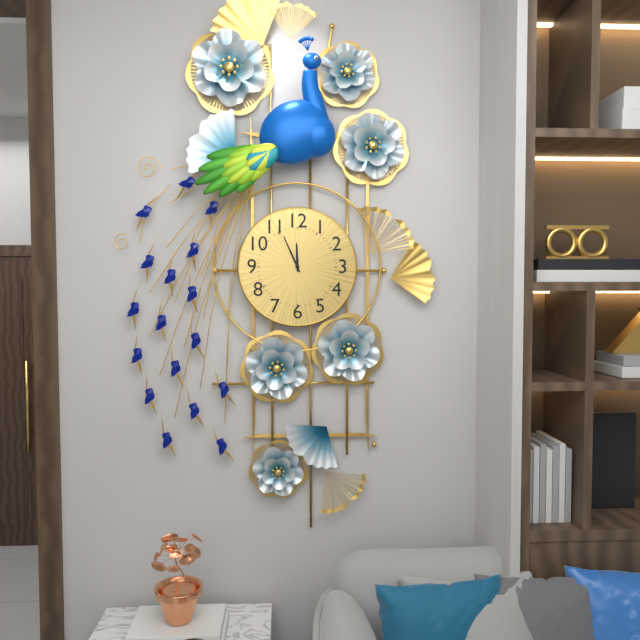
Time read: 11:56
